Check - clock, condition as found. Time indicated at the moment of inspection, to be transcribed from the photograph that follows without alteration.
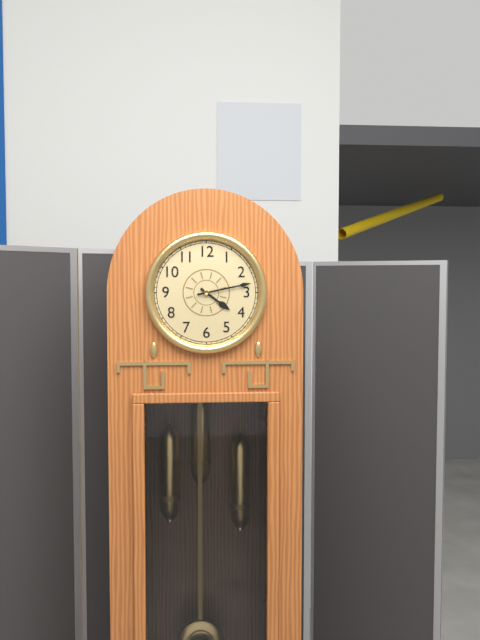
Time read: 4:13
